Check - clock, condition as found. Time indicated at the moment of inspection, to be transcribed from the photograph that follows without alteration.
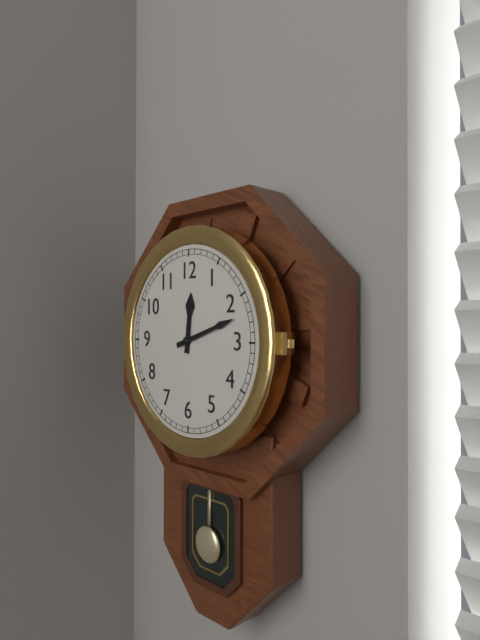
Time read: 12:12
